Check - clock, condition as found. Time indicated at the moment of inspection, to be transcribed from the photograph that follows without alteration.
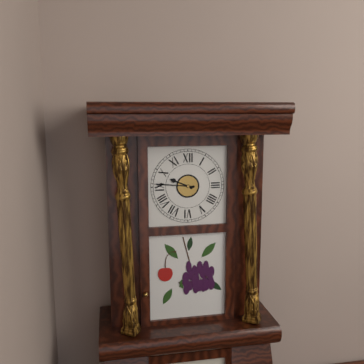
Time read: 9:46
